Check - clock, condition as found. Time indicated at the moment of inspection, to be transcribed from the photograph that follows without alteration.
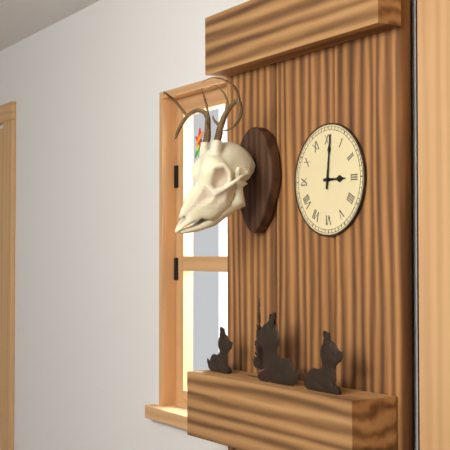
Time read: 3:01
